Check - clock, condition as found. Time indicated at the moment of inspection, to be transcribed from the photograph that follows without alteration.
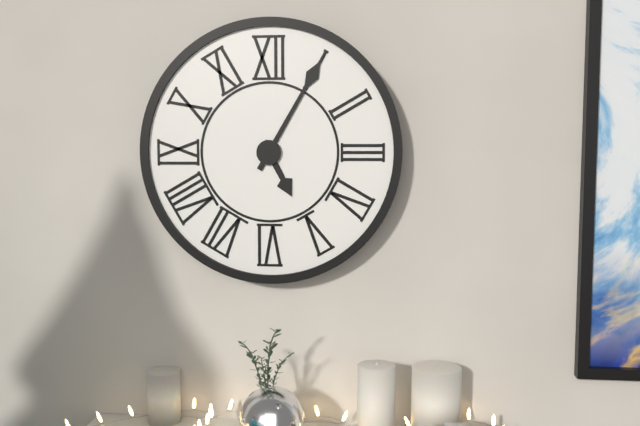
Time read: 5:05
